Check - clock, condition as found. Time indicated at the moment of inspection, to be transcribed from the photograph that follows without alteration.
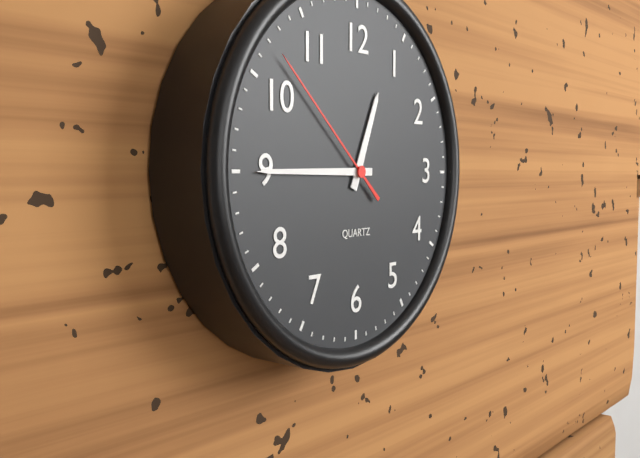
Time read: 12:45:52
